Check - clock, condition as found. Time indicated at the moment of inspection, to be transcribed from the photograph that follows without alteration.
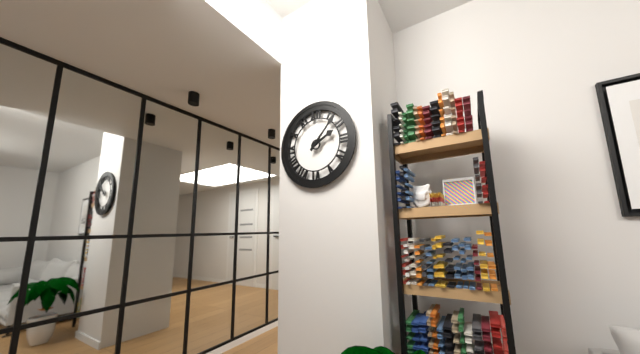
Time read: 2:07
